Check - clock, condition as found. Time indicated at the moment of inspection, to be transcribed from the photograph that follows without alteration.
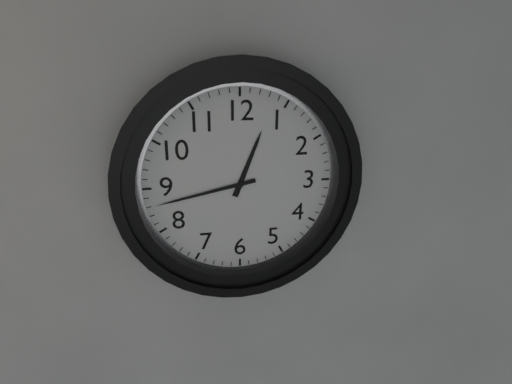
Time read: 12:43
